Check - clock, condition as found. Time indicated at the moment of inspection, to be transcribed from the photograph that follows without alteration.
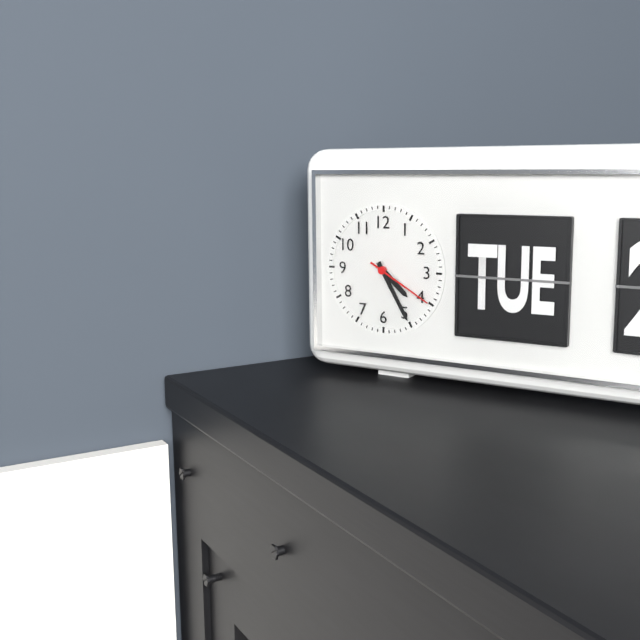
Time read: 4:25:20
